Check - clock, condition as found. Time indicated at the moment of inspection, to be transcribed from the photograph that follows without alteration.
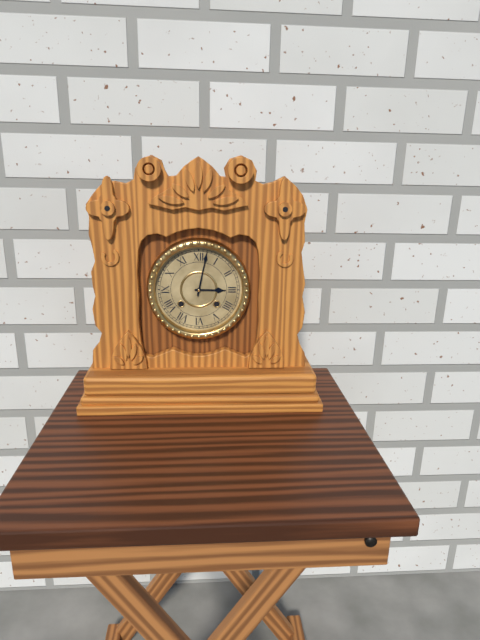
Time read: 3:02
